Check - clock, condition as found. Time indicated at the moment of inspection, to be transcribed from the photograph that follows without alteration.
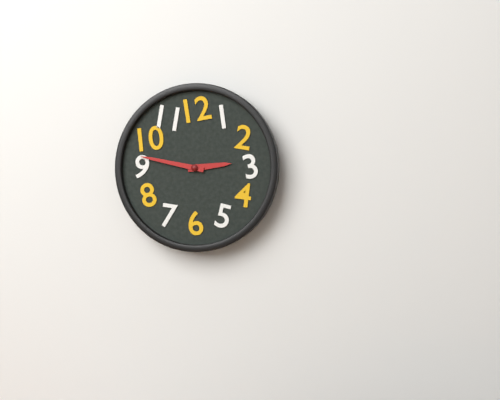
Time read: 2:47
